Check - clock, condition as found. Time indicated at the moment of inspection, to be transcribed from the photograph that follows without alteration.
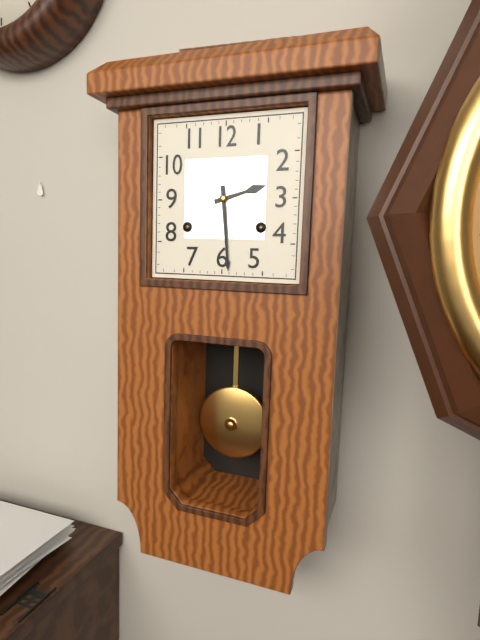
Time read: 2:29
